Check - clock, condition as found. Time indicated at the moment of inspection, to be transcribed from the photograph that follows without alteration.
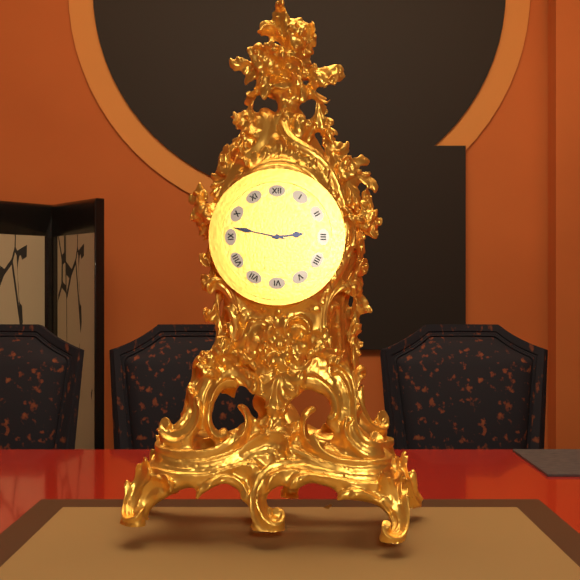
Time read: 2:47
